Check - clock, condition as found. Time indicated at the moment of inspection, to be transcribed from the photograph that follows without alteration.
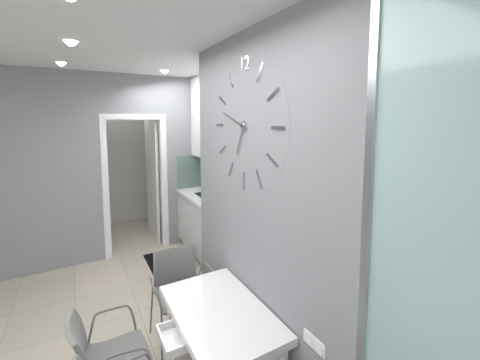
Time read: 6:48
